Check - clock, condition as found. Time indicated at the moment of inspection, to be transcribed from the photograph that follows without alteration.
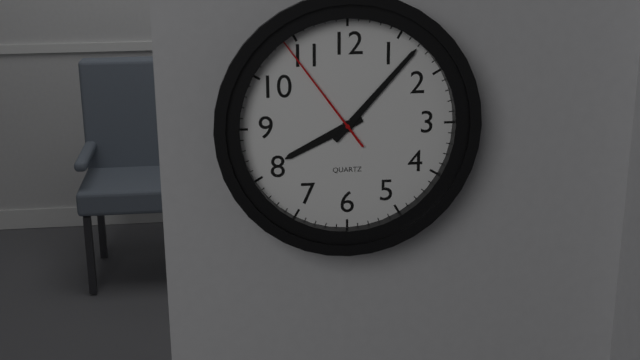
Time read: 8:07:54
